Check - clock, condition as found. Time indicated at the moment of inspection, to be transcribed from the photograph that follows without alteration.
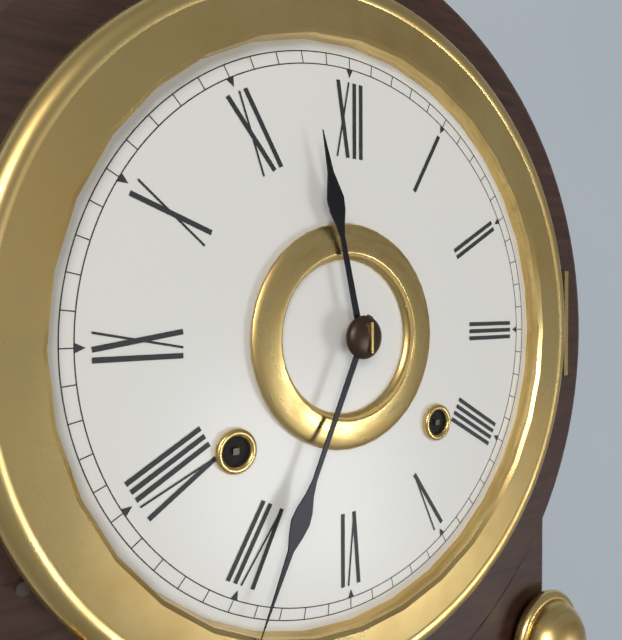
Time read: 11:34
